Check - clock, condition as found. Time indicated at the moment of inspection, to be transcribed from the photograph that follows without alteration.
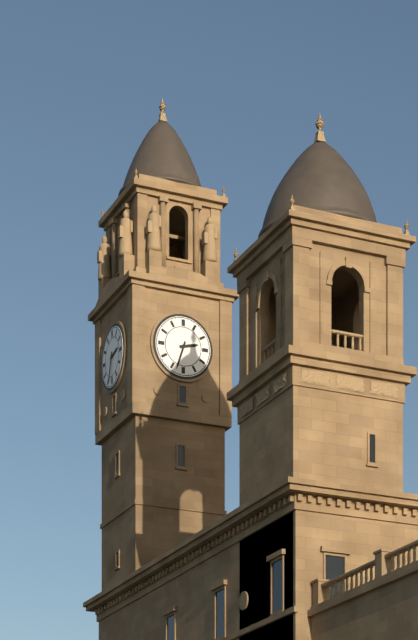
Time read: 2:33
